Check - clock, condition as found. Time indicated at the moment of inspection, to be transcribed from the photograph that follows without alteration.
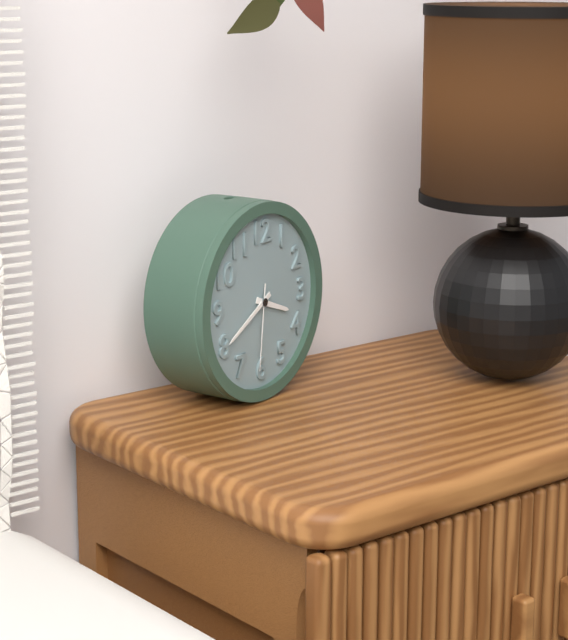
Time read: 3:40:31
